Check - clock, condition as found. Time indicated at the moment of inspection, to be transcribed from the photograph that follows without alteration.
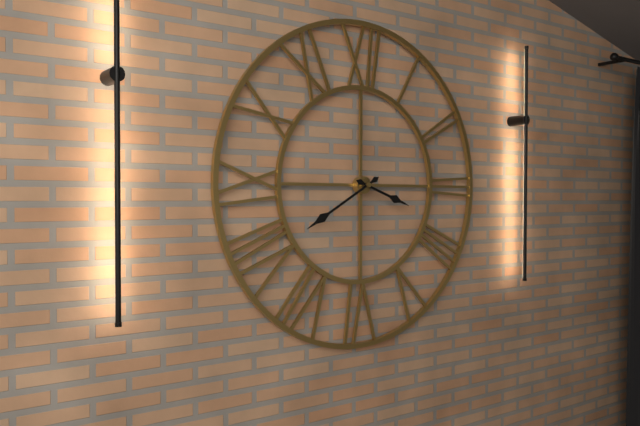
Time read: 3:40
